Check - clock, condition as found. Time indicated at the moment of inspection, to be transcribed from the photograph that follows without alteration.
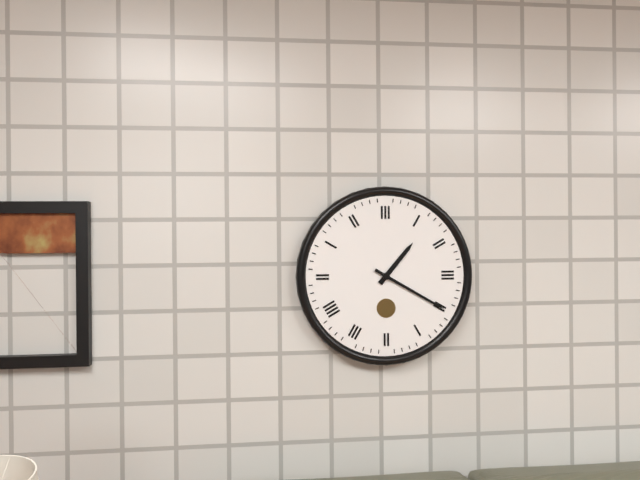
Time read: 1:20
